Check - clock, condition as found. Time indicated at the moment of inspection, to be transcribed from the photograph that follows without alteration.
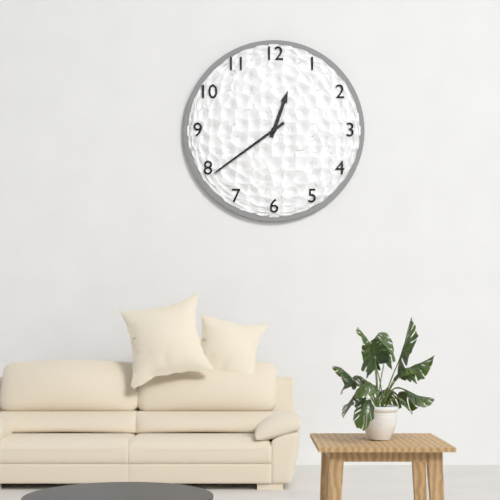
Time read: 12:39
